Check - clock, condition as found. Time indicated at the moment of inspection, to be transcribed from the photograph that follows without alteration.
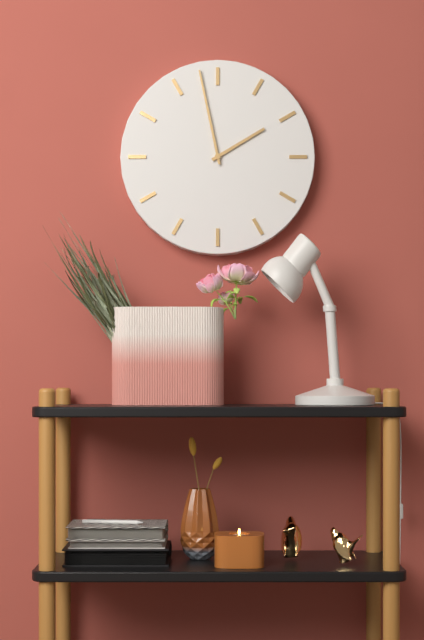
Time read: 1:58
